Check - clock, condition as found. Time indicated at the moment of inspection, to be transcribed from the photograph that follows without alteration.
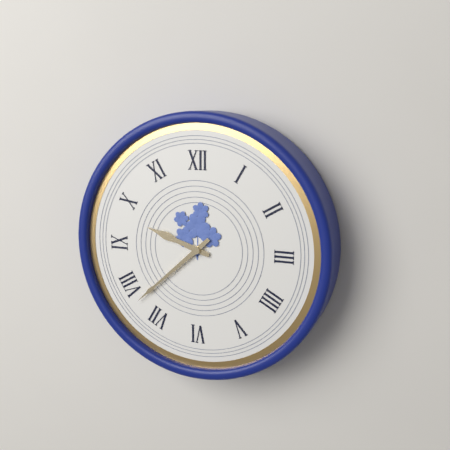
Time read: 9:38
